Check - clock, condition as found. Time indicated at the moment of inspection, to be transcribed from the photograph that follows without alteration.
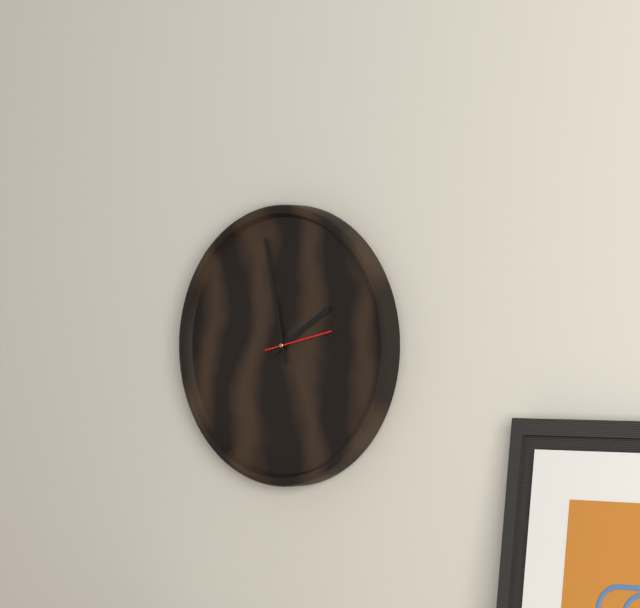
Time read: 1:58:13
